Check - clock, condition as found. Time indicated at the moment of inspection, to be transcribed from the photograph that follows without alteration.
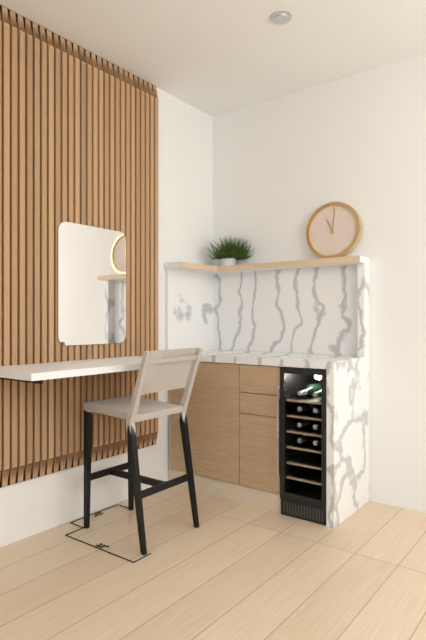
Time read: 11:01
